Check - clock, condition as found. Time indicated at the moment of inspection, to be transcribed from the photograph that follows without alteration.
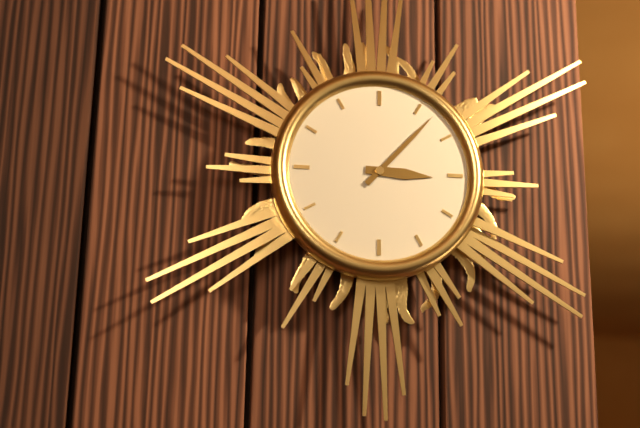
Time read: 3:07
